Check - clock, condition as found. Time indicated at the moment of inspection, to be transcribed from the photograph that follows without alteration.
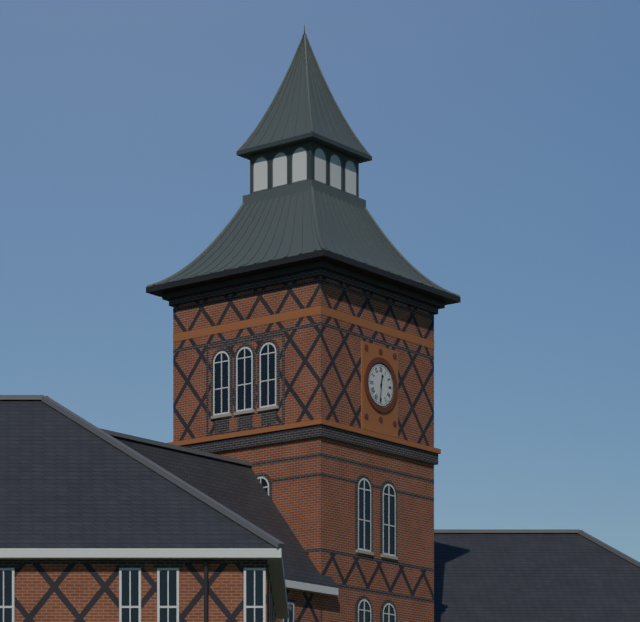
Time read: 12:31
